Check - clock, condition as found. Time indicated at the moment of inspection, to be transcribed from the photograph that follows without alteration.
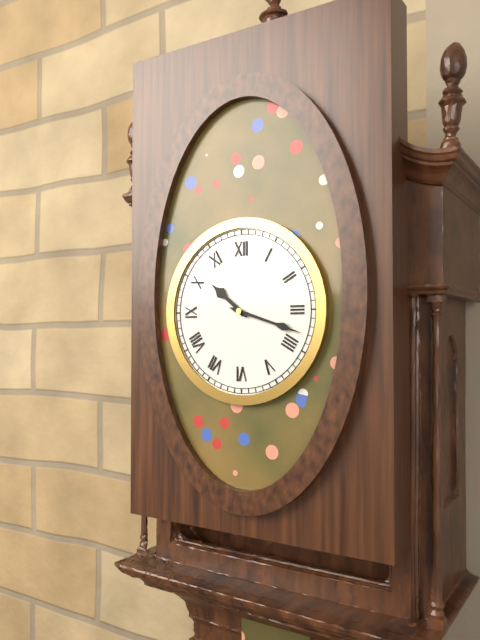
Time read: 10:18
